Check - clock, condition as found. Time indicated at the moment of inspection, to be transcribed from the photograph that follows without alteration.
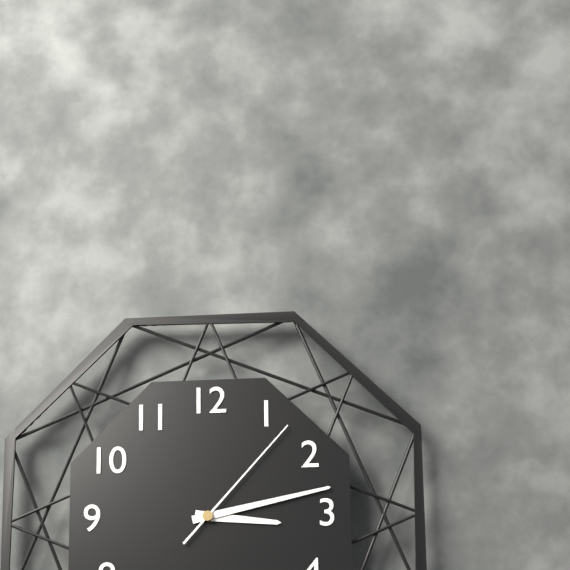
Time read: 3:13:07
